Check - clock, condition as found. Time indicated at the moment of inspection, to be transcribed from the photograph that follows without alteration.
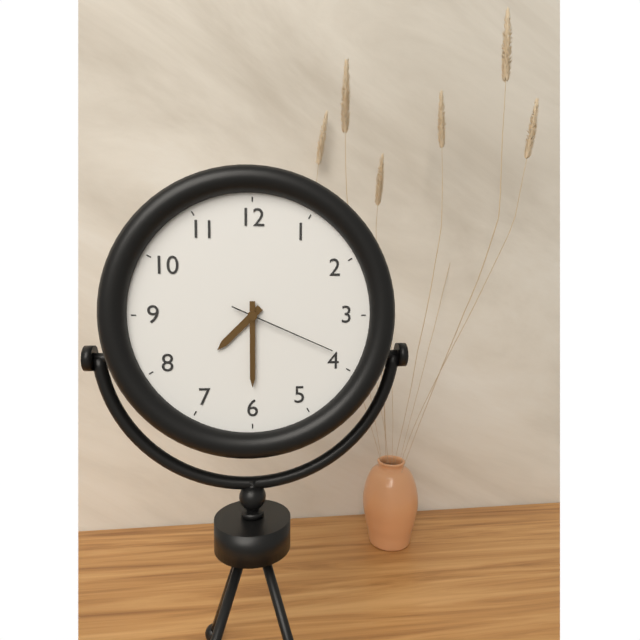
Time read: 7:30:19
